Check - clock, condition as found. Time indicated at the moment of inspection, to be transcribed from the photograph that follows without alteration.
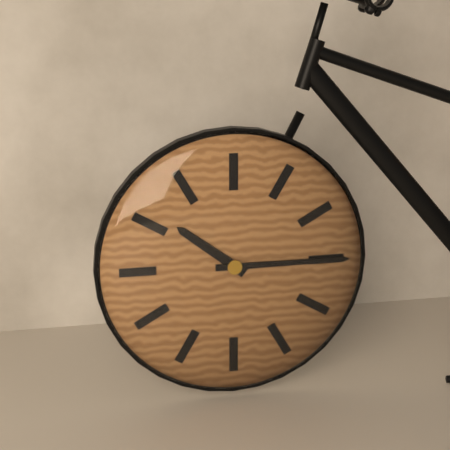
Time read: 10:15
